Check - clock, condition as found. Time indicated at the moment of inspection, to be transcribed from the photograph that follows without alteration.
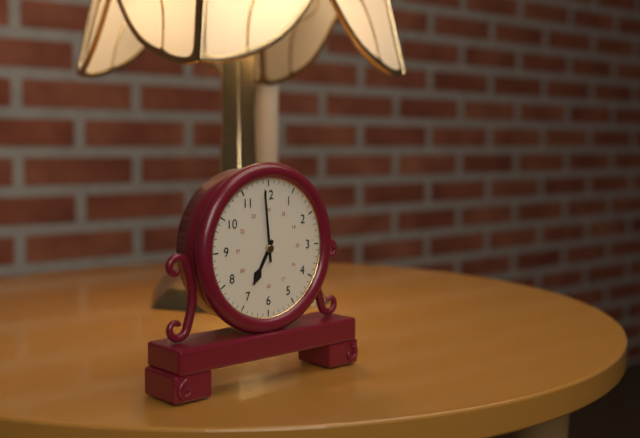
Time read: 6:59
